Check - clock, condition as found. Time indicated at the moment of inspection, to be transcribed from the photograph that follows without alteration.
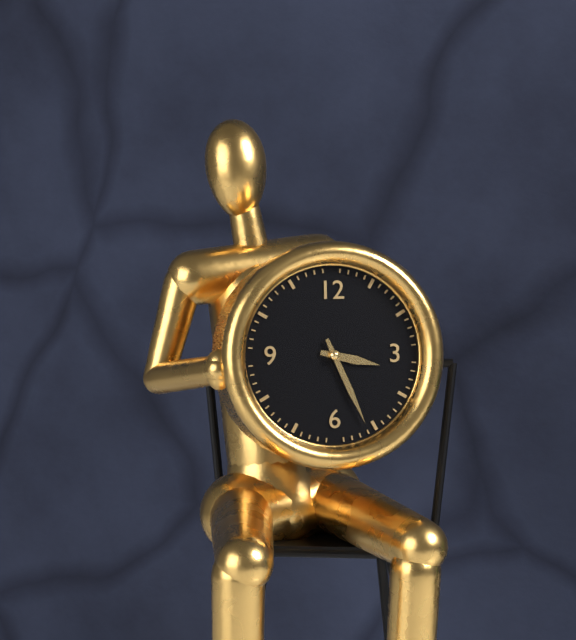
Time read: 3:26
